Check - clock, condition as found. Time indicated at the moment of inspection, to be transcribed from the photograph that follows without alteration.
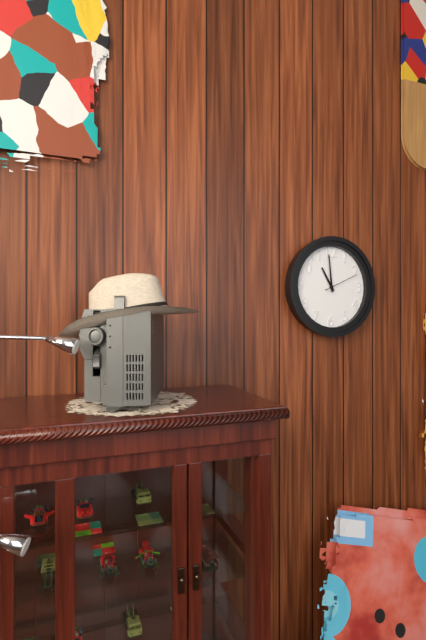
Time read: 10:59
